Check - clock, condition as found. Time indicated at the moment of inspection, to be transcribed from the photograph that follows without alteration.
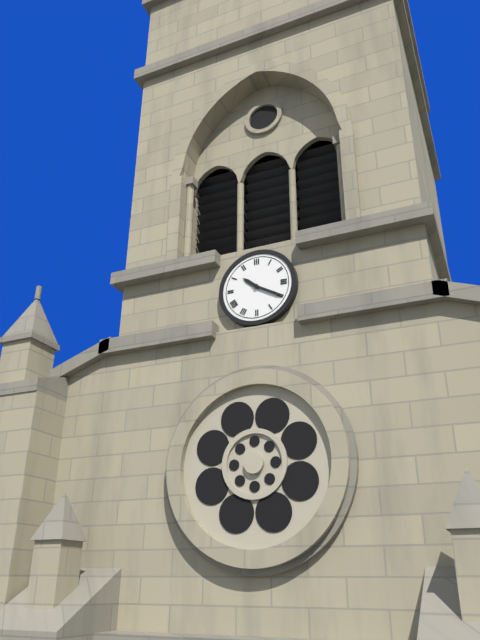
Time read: 10:20
